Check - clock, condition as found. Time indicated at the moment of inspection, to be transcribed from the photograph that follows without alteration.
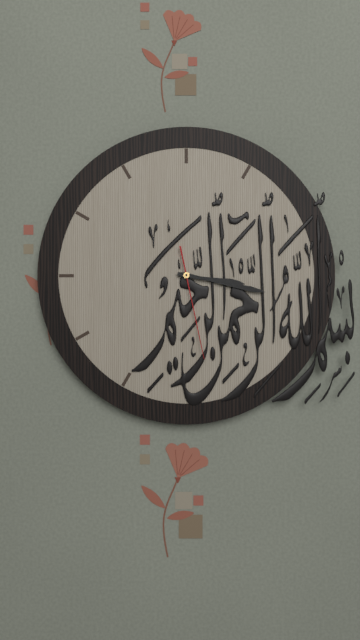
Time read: 3:17:28
